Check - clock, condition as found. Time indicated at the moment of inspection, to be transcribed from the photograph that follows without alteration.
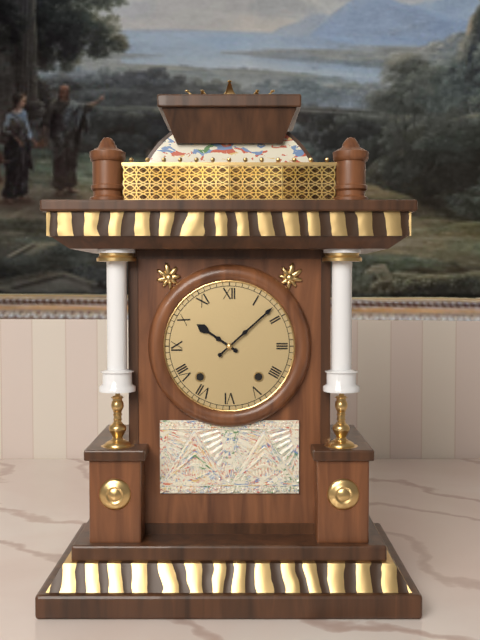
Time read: 10:08
